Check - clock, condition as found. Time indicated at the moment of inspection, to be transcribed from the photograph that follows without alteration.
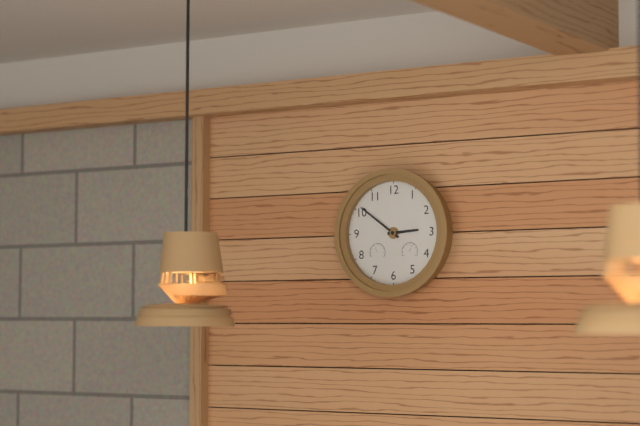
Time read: 2:51
